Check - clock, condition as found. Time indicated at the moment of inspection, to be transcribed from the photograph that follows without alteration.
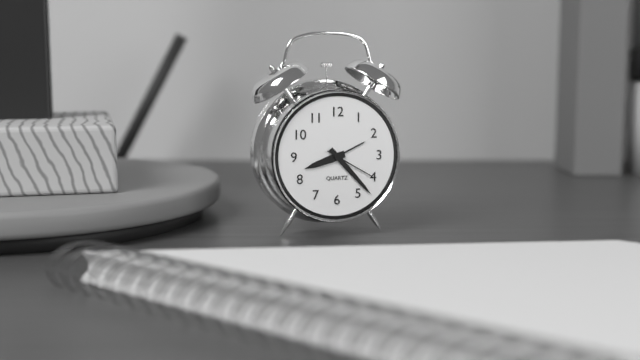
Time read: 8:23
